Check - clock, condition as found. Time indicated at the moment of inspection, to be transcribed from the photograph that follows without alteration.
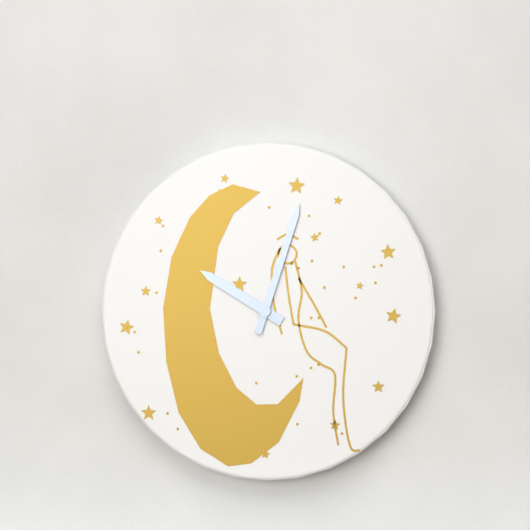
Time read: 10:03
